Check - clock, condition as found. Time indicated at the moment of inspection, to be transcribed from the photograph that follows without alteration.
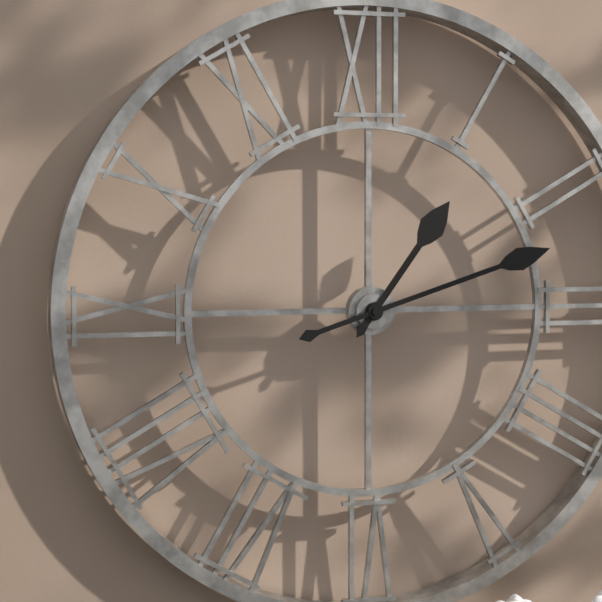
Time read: 1:12
